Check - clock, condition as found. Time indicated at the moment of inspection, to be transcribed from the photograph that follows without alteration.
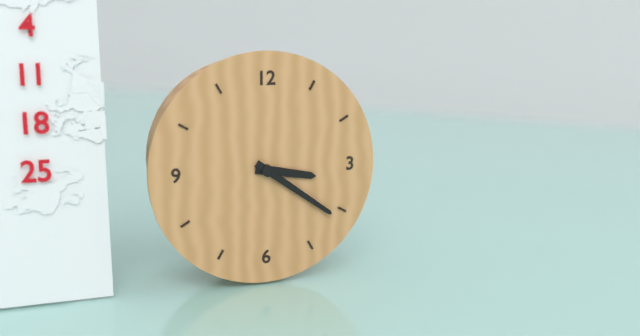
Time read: 3:21
